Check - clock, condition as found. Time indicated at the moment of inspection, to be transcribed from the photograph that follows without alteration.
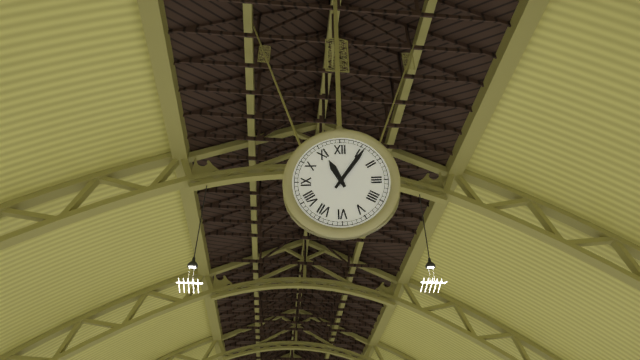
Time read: 11:06
